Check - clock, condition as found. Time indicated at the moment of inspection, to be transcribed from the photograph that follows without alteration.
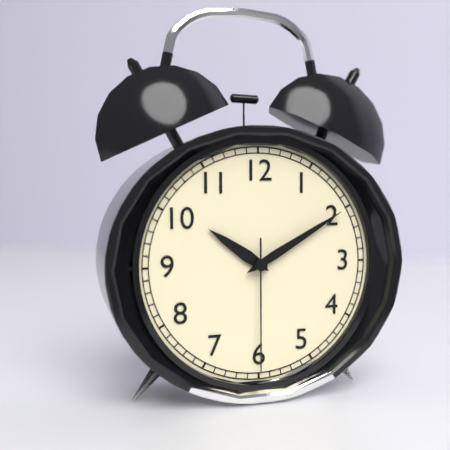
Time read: 10:10:30
